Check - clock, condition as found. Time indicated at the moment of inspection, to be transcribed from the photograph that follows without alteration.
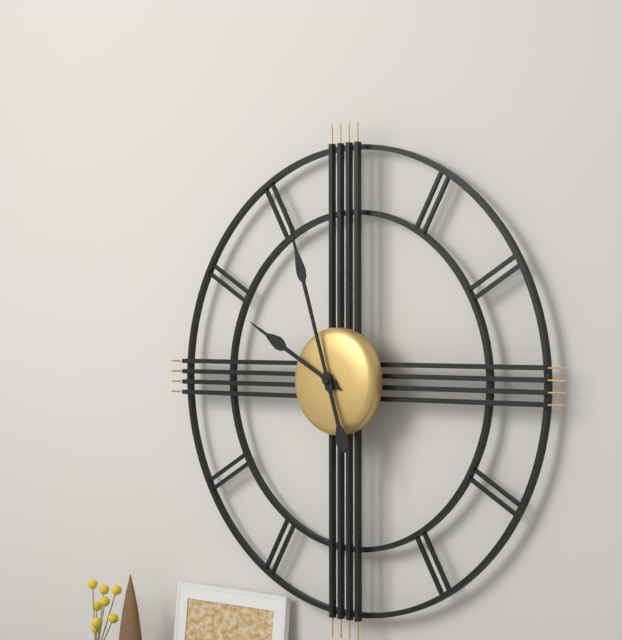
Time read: 9:57
